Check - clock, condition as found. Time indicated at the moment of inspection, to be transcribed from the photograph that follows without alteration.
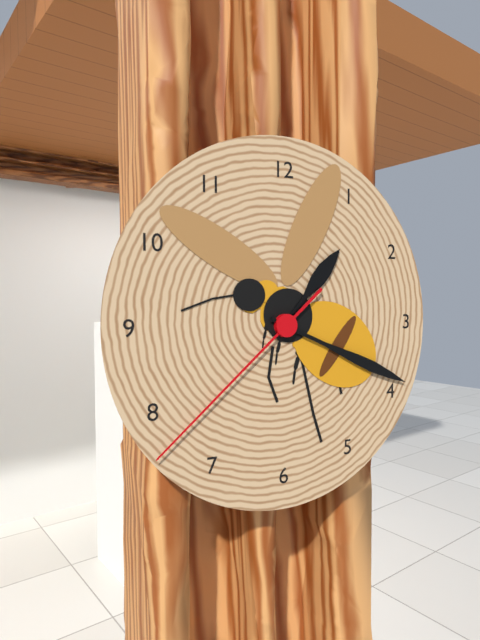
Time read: 1:19:38
